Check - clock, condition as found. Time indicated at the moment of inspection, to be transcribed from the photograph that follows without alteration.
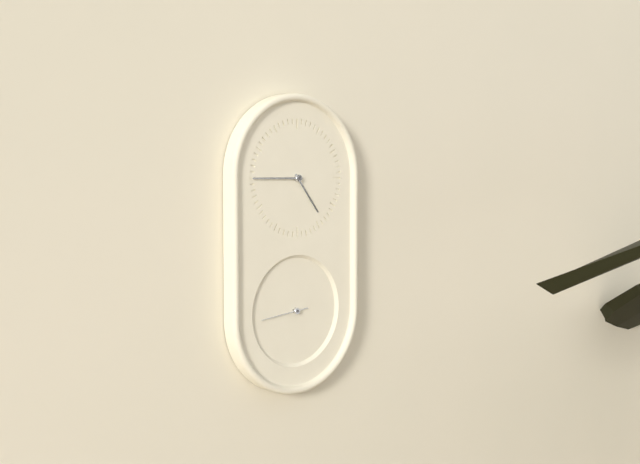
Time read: 4:45
